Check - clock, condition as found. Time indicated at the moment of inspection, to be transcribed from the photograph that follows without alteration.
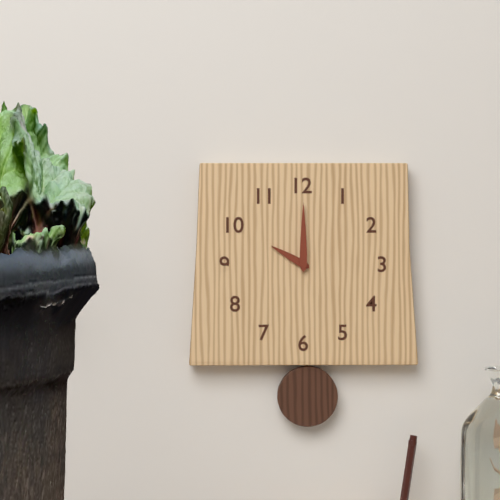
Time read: 10:00
